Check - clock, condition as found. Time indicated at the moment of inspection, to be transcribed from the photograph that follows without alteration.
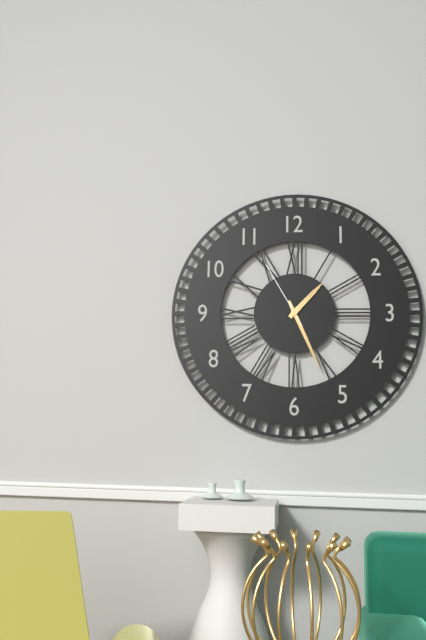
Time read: 1:26:55
